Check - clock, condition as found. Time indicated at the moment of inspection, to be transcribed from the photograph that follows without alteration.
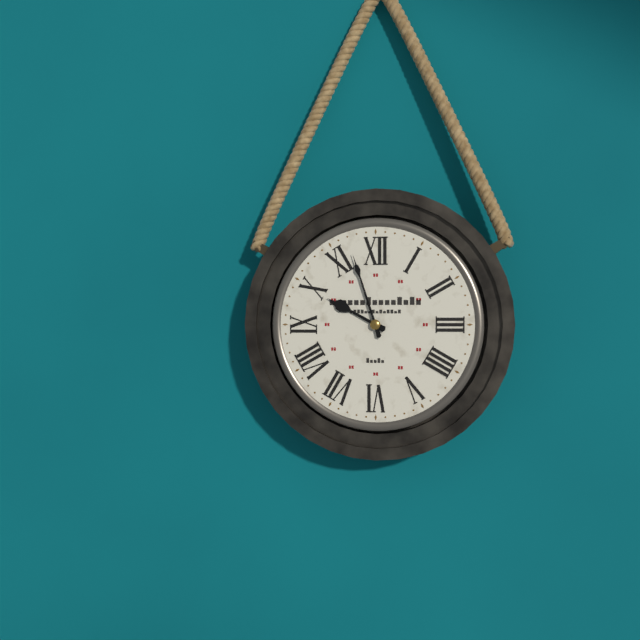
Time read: 9:57
